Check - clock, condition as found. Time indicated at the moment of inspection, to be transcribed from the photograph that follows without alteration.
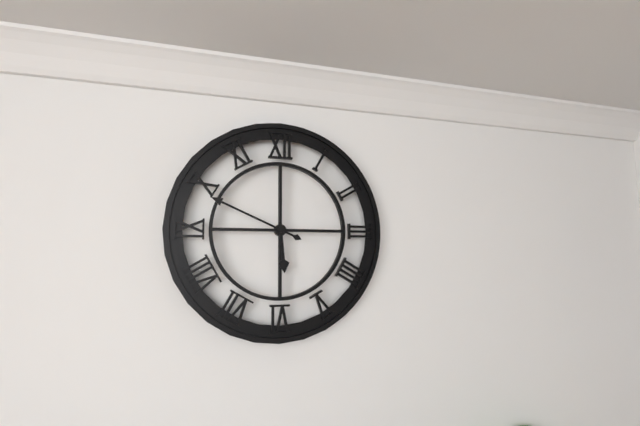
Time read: 5:49
